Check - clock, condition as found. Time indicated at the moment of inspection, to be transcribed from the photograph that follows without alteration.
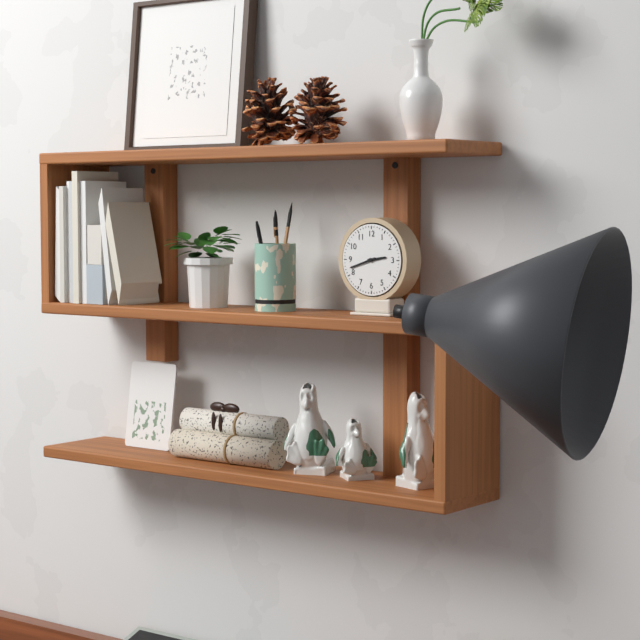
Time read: 2:42
